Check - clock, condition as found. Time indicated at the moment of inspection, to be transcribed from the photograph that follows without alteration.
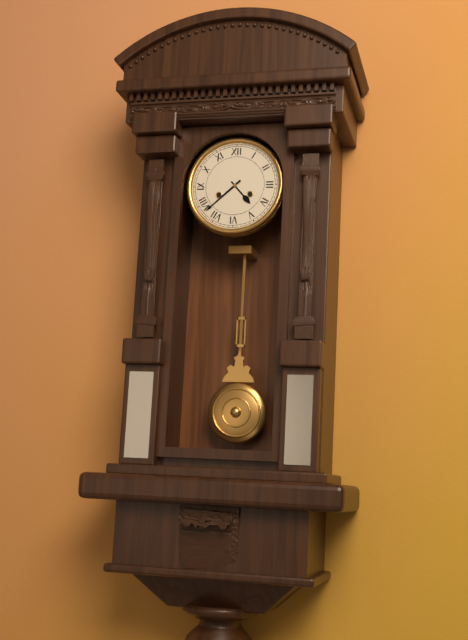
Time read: 4:38
